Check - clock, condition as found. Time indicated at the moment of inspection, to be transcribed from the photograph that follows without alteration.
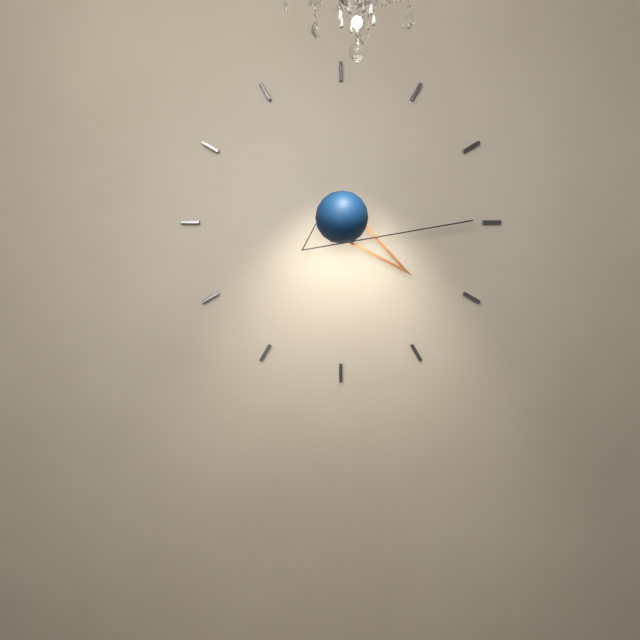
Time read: 4:15
